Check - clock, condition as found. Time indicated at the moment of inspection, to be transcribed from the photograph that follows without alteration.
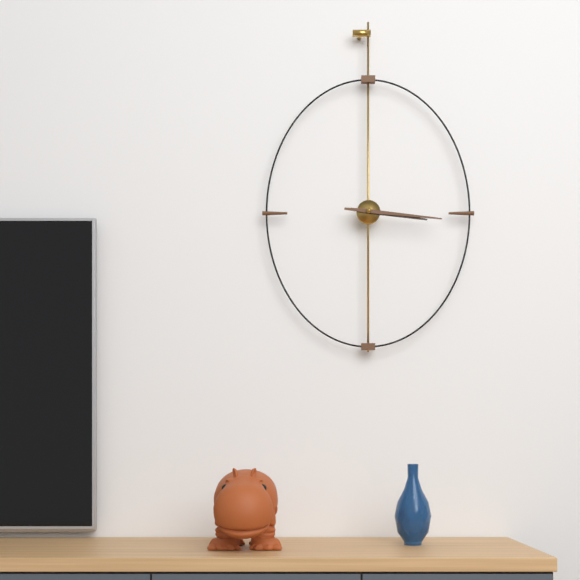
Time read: 3:16
